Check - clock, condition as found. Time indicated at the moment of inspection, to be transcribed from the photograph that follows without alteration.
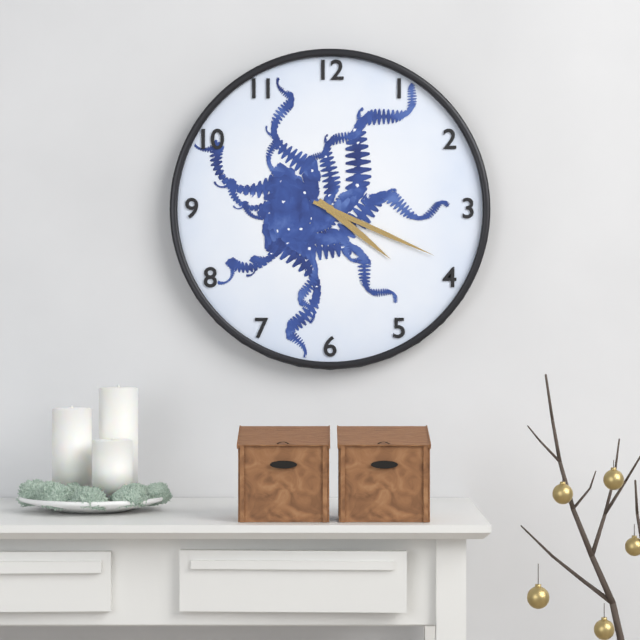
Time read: 4:19
